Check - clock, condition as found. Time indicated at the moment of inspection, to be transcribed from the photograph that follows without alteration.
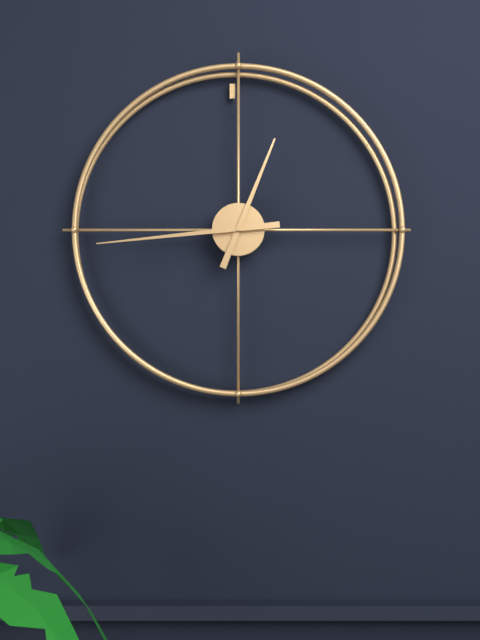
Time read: 12:44
